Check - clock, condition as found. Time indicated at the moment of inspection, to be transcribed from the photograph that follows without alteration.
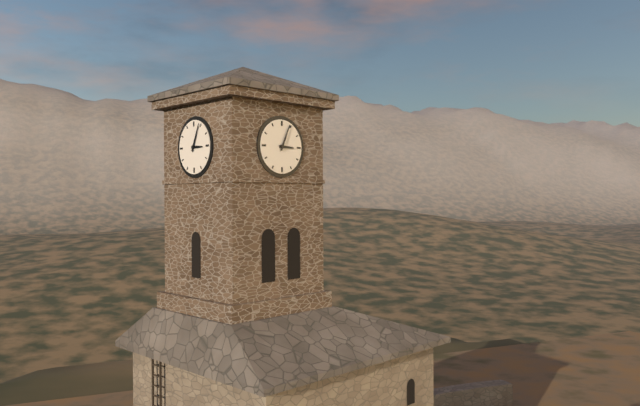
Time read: 3:04
